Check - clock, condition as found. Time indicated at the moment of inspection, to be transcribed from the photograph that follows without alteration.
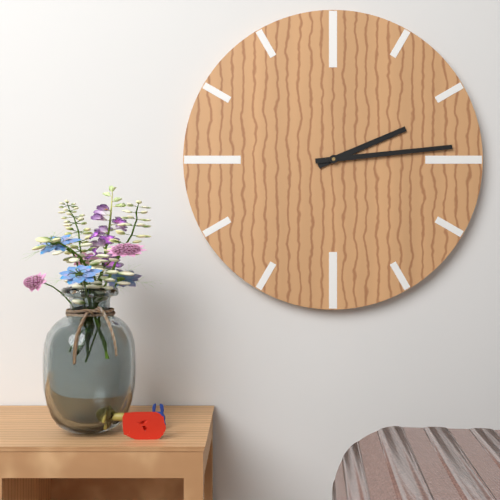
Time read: 2:14
